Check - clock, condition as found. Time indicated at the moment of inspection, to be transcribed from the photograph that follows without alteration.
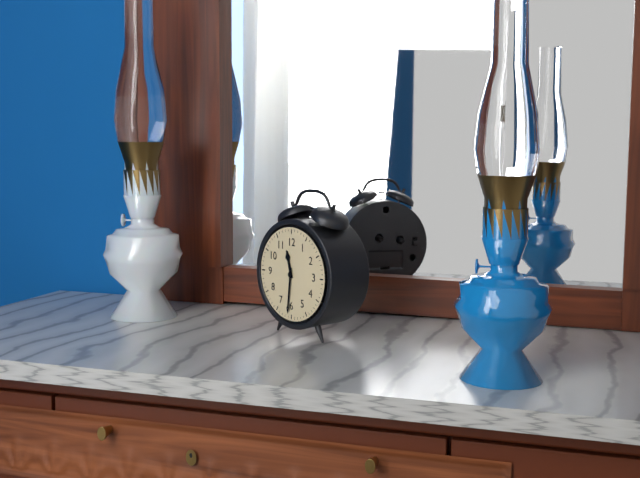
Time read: 11:31
